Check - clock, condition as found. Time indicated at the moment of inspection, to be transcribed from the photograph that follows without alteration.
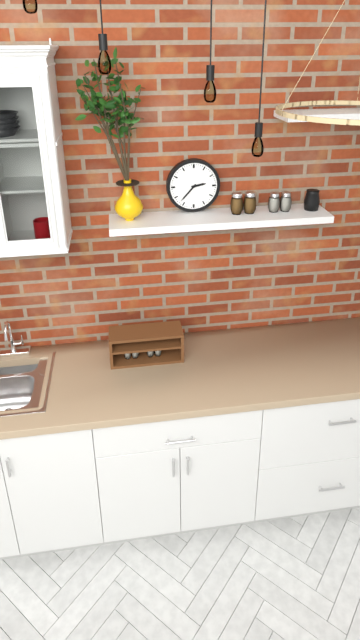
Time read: 2:37
